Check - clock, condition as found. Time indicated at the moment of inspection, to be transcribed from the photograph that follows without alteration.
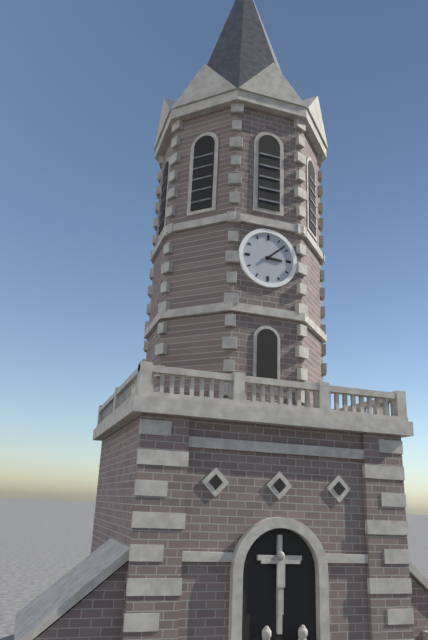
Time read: 3:08
